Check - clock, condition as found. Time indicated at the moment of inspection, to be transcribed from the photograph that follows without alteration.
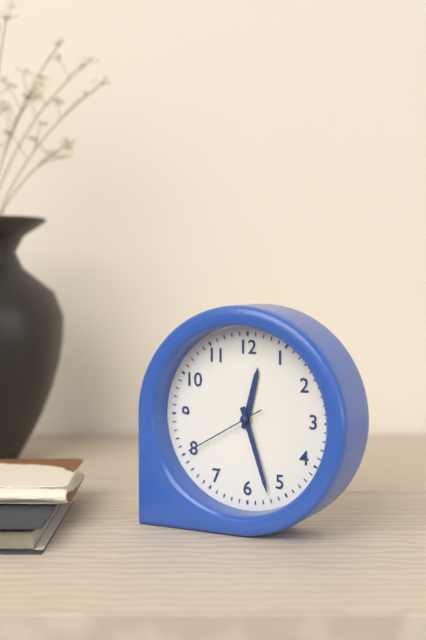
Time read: 12:27:40
